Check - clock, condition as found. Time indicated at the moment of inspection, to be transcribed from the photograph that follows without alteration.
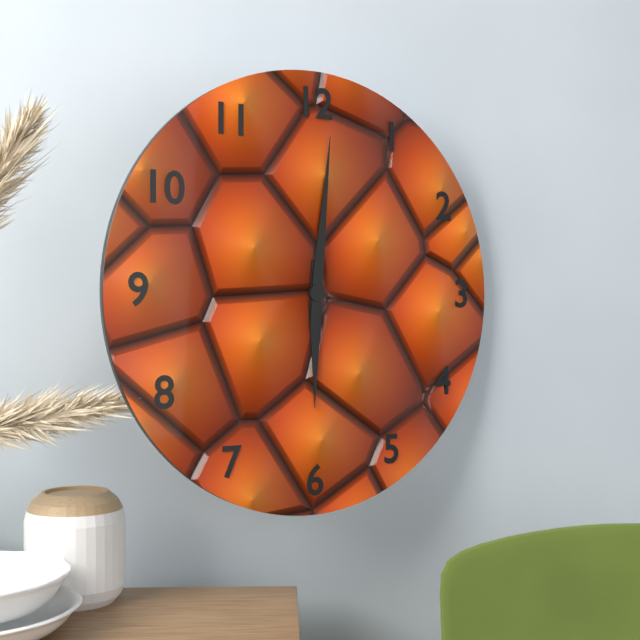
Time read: 6:01
